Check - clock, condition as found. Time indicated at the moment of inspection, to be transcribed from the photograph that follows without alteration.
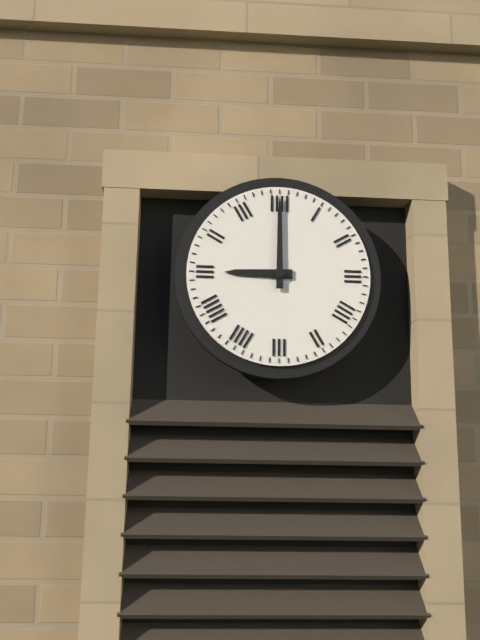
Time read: 9:00
